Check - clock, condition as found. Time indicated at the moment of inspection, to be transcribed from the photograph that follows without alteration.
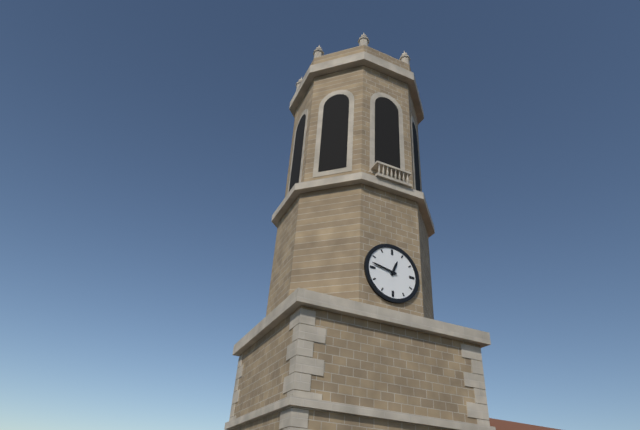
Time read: 12:47
